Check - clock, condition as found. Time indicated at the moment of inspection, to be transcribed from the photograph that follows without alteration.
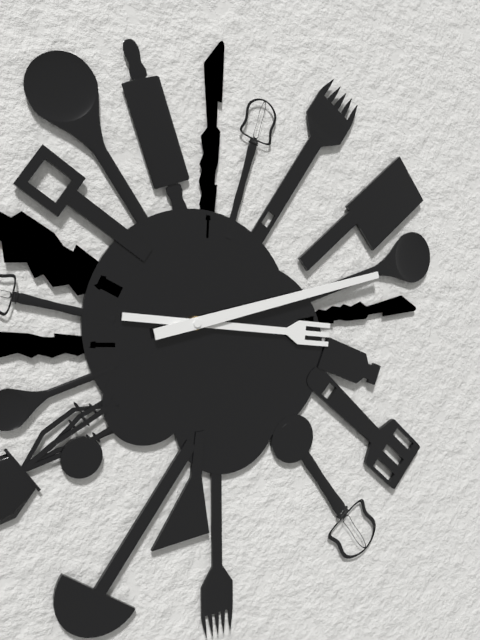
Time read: 3:13
